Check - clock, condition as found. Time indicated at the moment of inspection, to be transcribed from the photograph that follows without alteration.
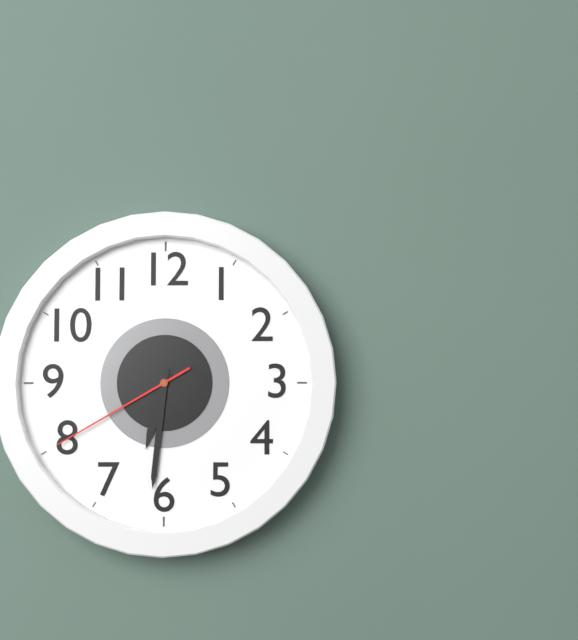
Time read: 6:31:40
